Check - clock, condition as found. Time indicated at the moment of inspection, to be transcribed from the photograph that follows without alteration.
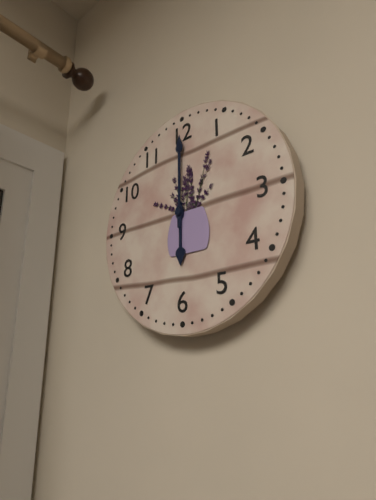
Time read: 6:00
